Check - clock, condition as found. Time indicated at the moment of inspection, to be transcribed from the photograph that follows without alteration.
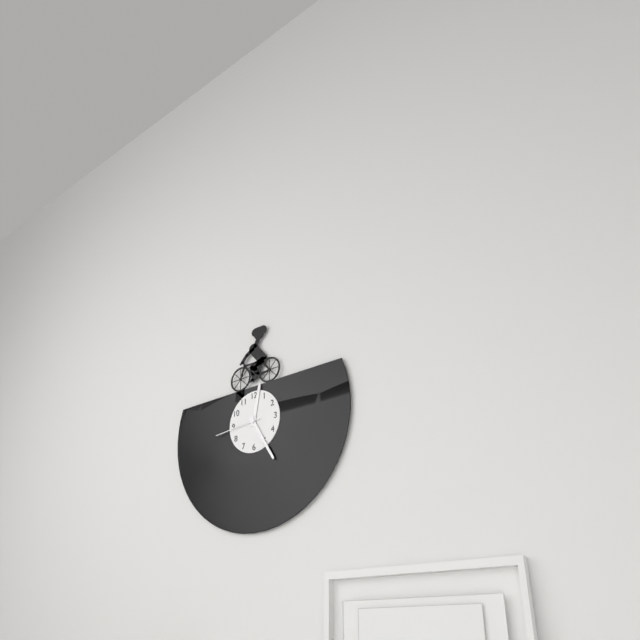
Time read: 12:25:44
